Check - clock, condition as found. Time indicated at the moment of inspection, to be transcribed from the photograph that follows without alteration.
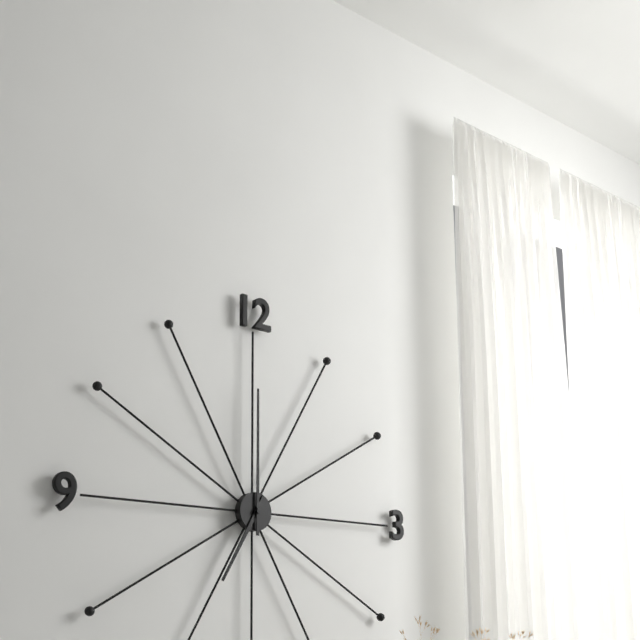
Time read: 7:00
